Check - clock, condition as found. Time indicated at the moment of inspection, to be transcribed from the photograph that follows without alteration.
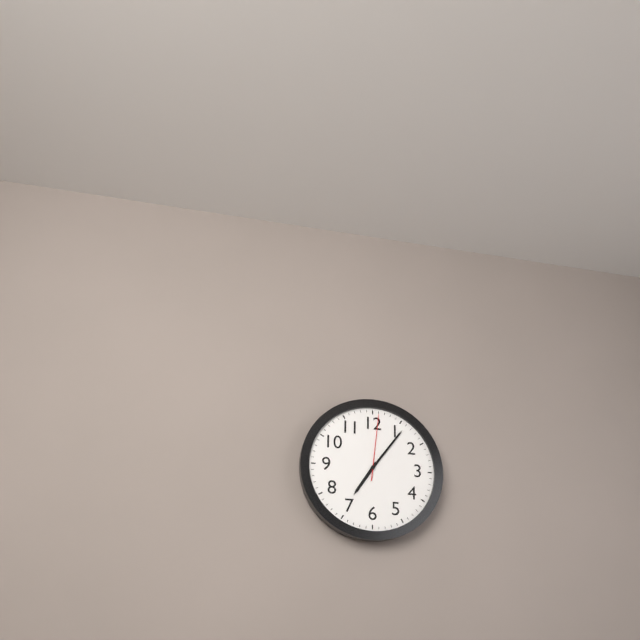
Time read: 7:06:01
